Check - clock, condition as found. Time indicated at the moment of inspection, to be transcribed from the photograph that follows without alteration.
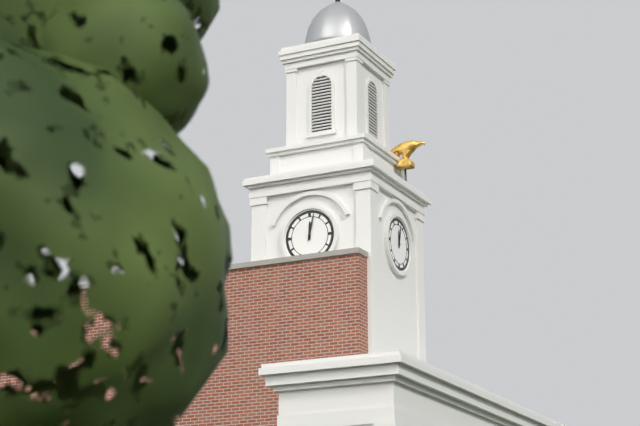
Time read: 12:02
